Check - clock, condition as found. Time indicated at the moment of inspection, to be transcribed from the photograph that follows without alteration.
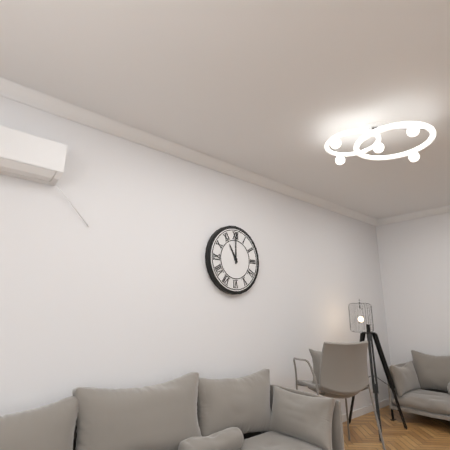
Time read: 11:00
